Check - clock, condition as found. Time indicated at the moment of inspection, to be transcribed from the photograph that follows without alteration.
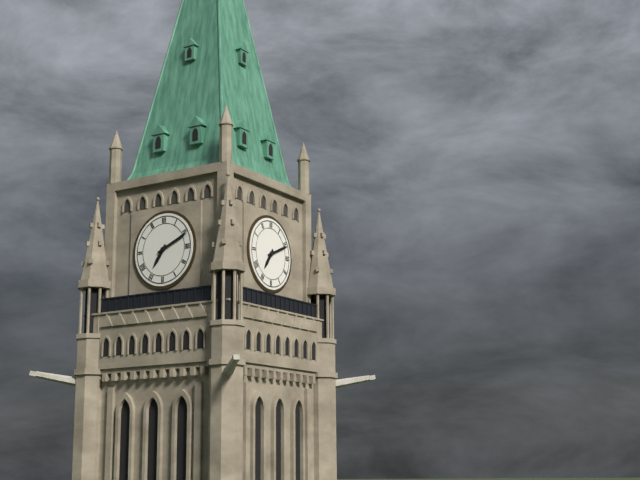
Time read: 7:11
